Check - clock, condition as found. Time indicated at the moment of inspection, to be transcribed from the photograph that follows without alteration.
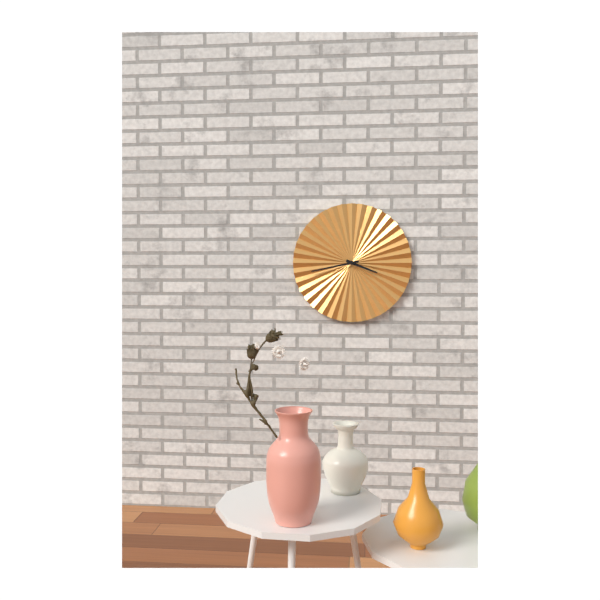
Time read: 3:43
